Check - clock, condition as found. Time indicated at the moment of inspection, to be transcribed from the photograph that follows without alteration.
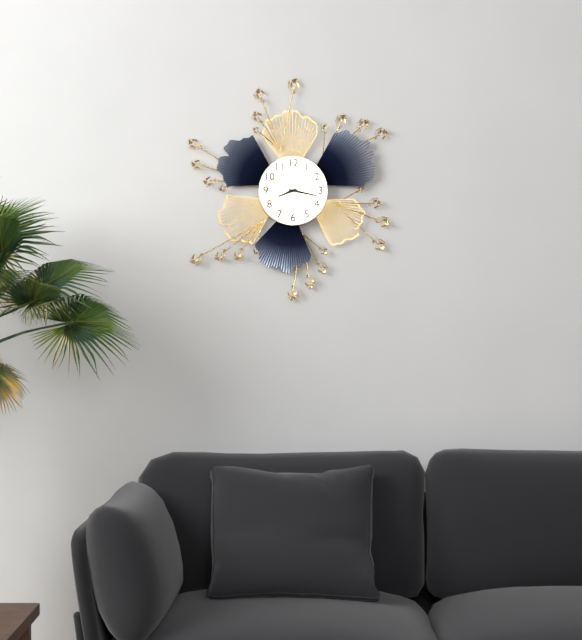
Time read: 8:17
